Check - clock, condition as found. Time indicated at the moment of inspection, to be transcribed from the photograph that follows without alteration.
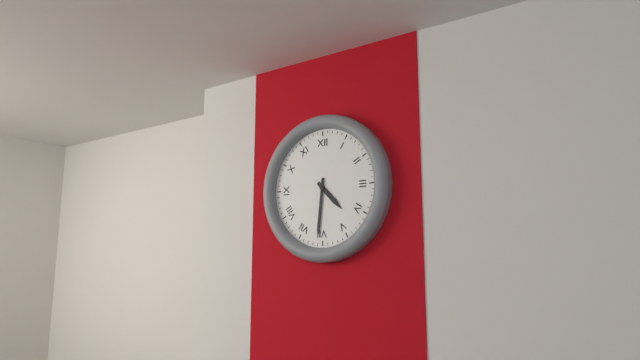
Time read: 4:31
